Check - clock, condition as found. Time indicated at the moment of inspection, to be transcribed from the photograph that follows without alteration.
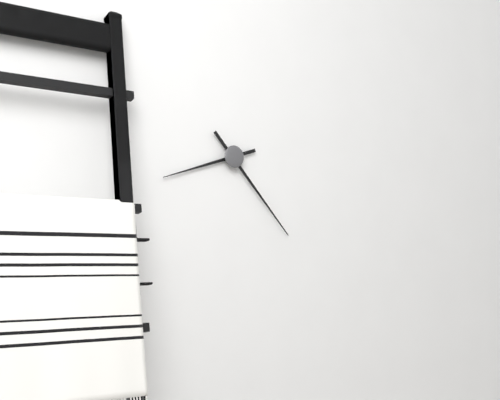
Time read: 8:23
